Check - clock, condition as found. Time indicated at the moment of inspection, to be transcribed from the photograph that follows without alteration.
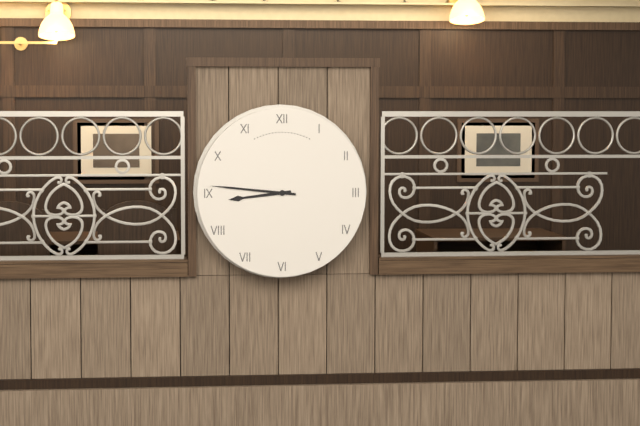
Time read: 8:46
